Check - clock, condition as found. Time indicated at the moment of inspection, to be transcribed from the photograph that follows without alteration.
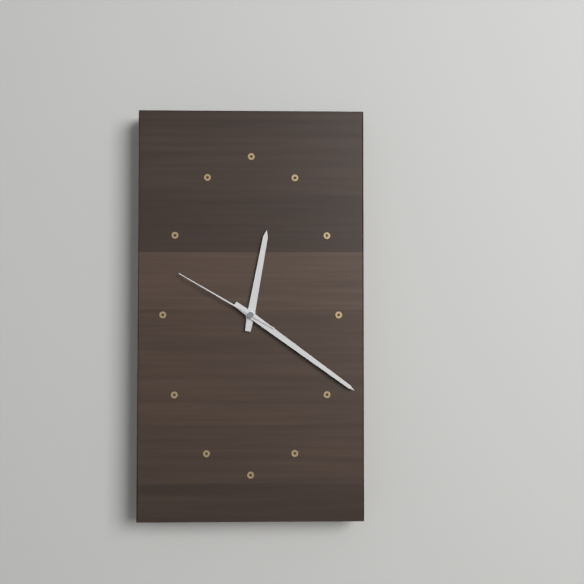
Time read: 12:21:50
